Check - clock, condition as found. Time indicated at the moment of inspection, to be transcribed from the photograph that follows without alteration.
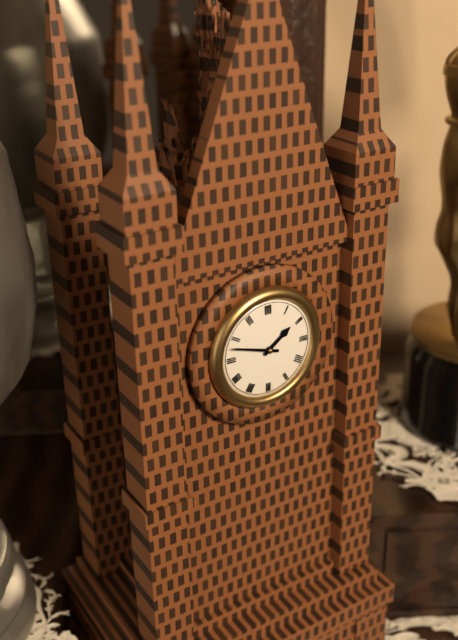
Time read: 1:48
